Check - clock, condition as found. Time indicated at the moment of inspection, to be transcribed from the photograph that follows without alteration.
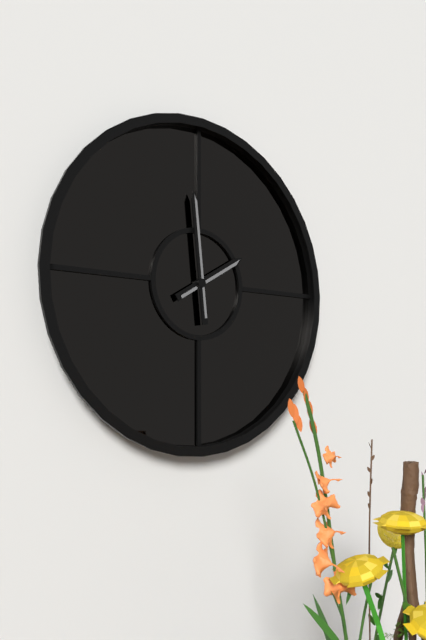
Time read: 1:59
